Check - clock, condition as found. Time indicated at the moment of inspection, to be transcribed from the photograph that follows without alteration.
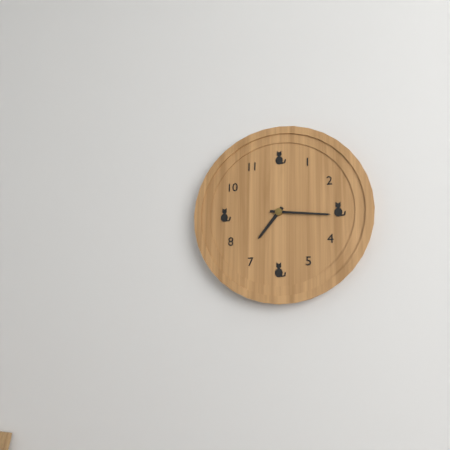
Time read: 7:16
